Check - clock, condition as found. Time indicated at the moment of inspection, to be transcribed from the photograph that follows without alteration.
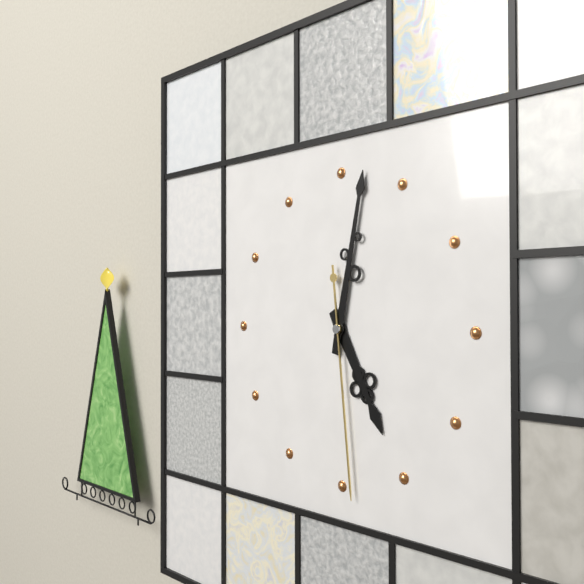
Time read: 5:02:29
